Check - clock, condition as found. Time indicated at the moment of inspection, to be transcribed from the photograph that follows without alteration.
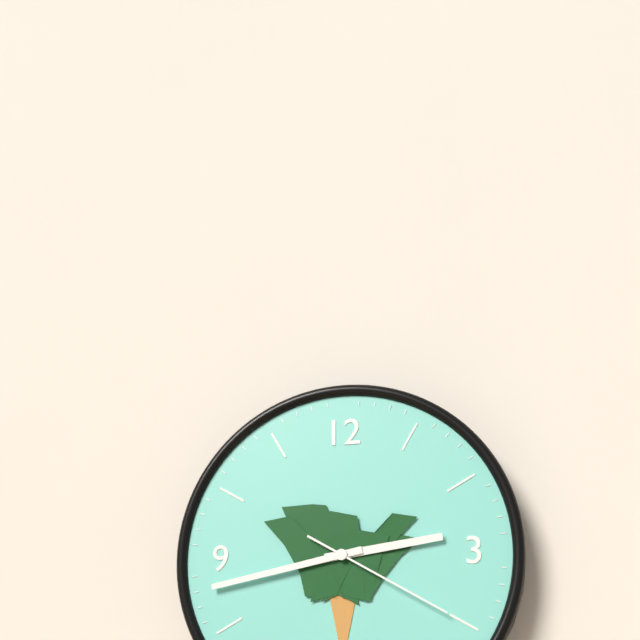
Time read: 2:43:20
